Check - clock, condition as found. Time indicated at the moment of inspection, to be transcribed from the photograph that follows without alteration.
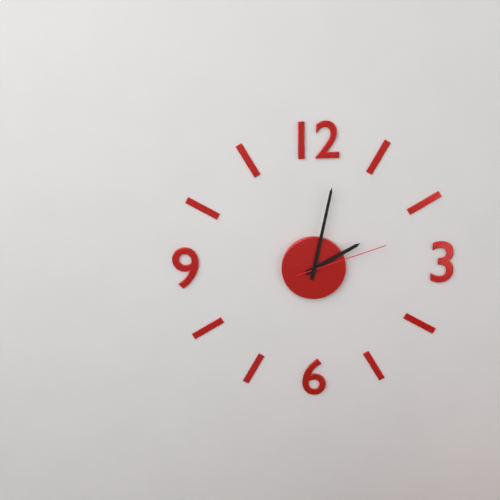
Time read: 2:02:12
